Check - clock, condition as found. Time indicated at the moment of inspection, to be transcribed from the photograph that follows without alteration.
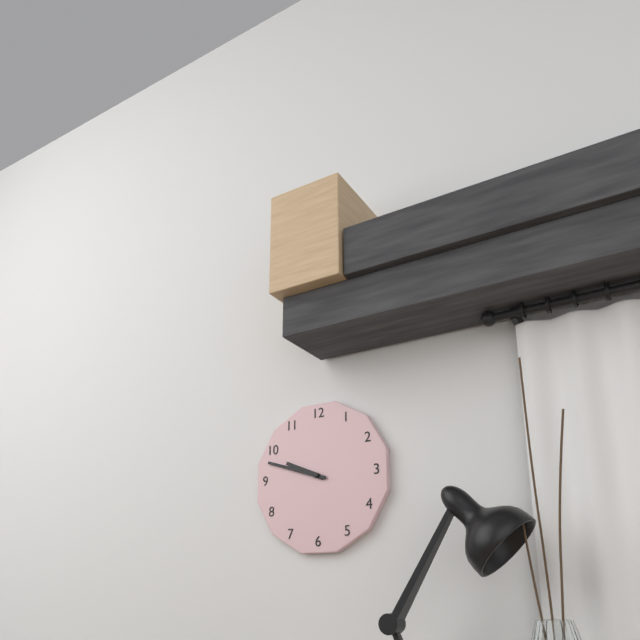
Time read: 9:48
